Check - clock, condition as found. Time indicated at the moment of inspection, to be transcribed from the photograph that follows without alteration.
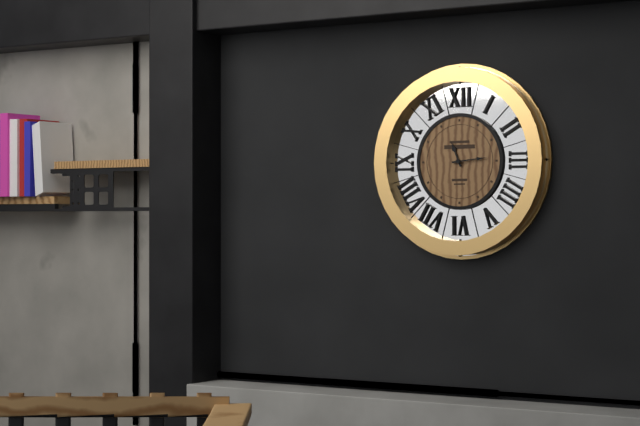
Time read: 11:14
